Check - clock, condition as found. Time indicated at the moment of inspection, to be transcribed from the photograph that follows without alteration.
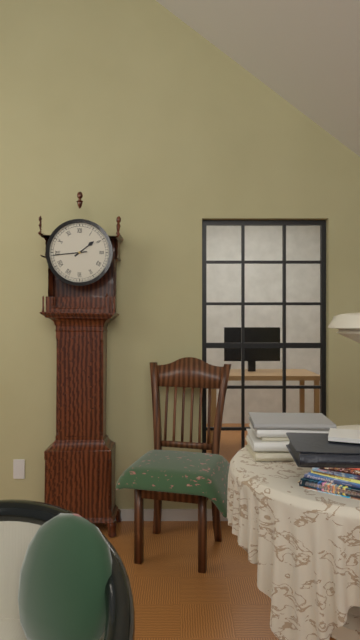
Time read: 1:44
